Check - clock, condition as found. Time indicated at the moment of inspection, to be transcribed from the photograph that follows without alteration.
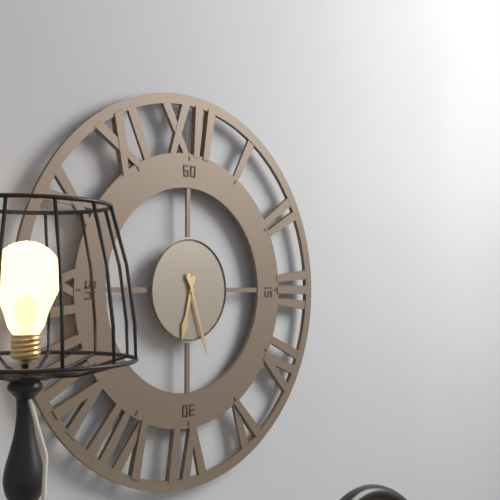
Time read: 6:27
